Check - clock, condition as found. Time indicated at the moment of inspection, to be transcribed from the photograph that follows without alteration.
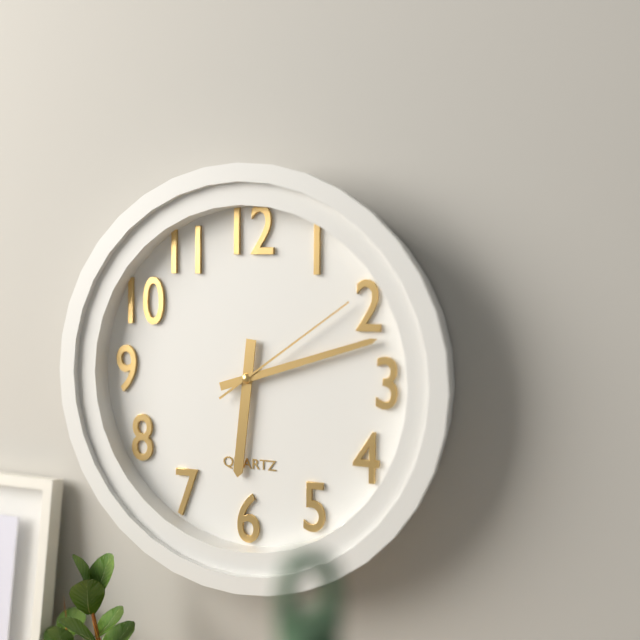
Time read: 6:12:09
